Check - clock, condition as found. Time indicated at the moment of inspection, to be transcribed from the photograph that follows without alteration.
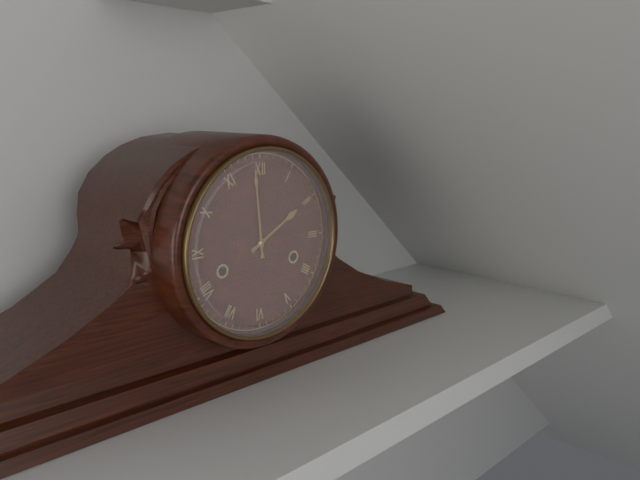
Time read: 1:59
